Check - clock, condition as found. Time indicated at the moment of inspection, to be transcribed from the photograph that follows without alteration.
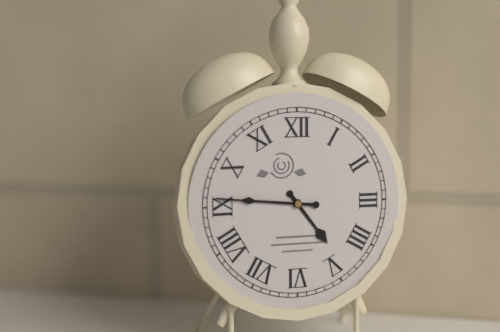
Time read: 4:46
